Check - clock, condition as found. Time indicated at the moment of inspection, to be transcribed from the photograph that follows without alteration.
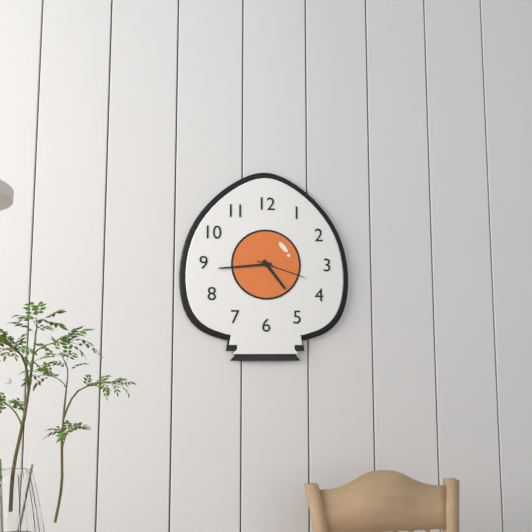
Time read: 4:44:18
